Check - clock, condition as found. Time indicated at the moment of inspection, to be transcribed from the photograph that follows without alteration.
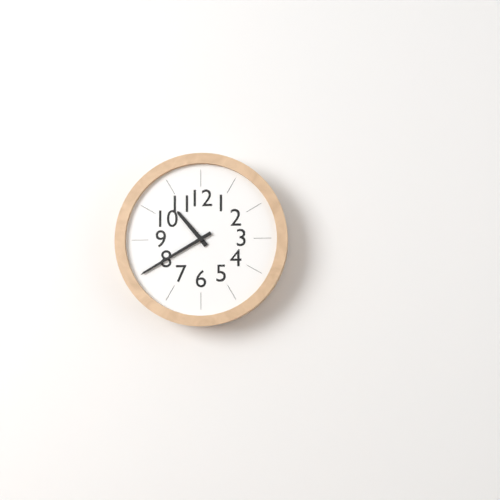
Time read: 10:40
